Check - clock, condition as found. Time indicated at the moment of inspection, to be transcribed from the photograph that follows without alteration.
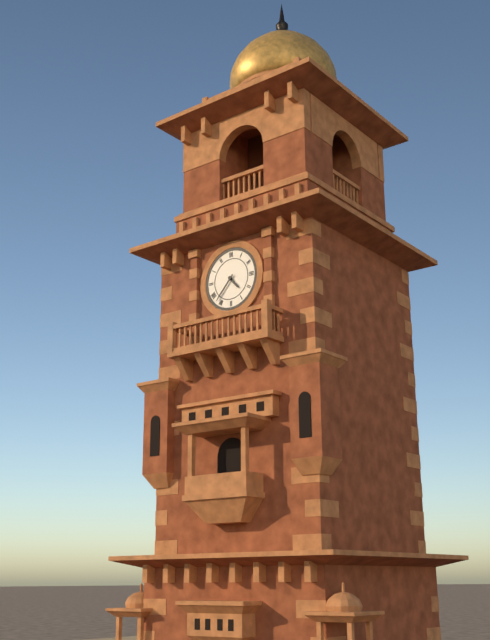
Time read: 4:37
